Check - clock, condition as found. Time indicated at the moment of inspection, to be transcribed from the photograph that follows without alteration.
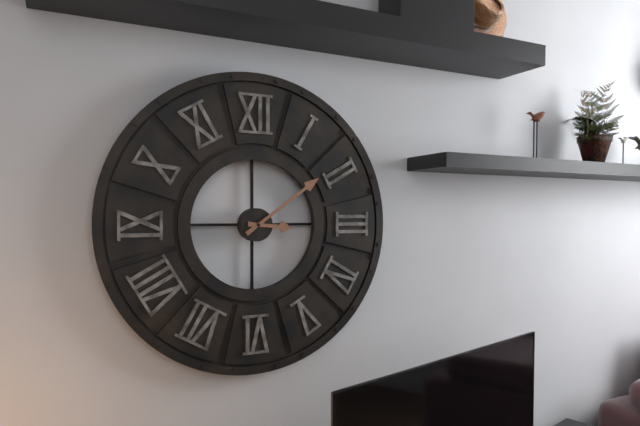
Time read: 3:09
